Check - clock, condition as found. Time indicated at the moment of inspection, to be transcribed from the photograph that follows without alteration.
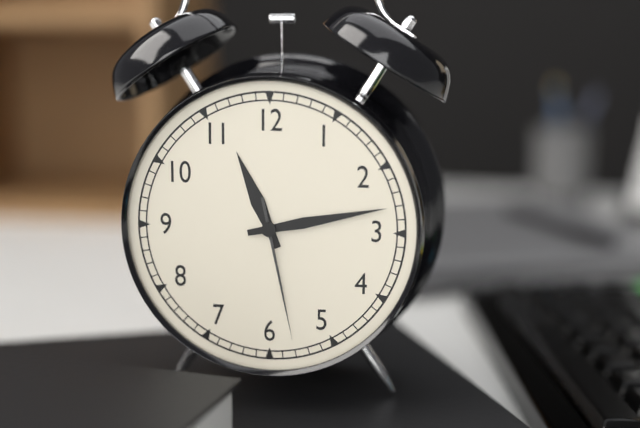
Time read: 11:13:28
